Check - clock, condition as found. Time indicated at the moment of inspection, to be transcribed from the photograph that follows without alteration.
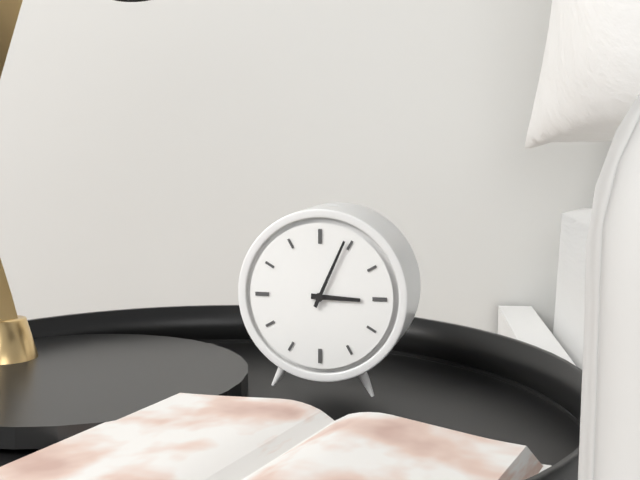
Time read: 3:04
